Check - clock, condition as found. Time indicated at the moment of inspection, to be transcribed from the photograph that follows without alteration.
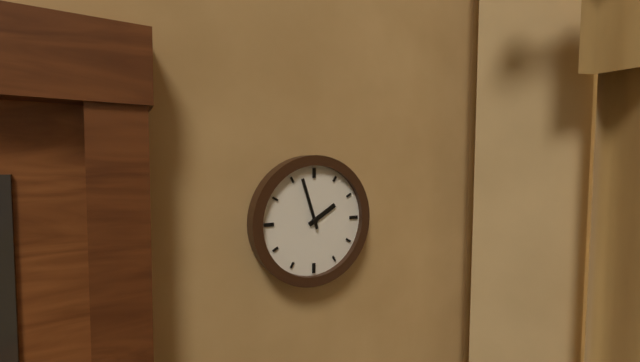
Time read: 1:57
